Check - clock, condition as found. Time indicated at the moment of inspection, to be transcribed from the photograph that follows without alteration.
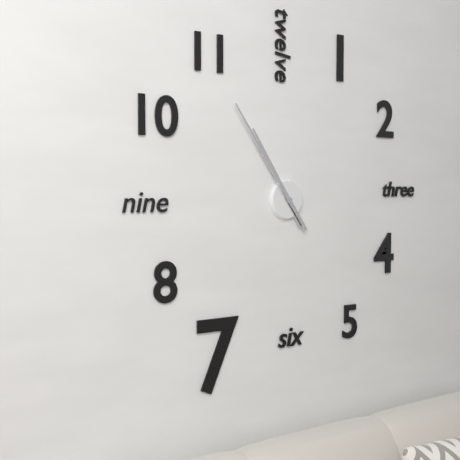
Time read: 10:54
